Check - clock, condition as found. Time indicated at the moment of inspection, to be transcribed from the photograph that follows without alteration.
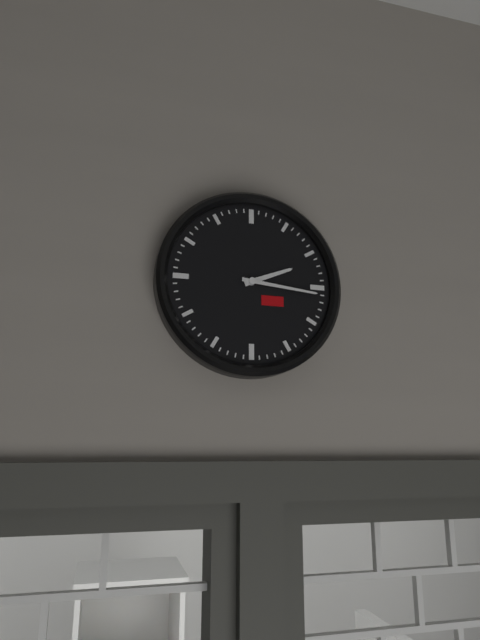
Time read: 2:16
